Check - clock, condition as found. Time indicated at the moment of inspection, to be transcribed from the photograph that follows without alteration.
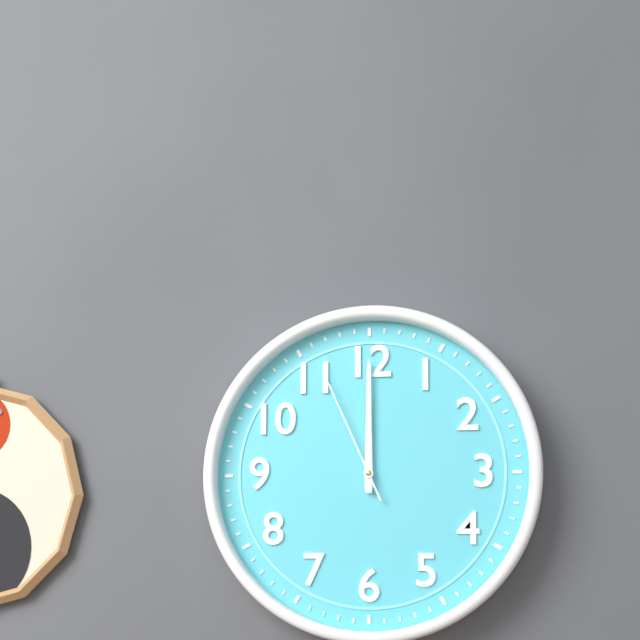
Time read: 12:00:56
